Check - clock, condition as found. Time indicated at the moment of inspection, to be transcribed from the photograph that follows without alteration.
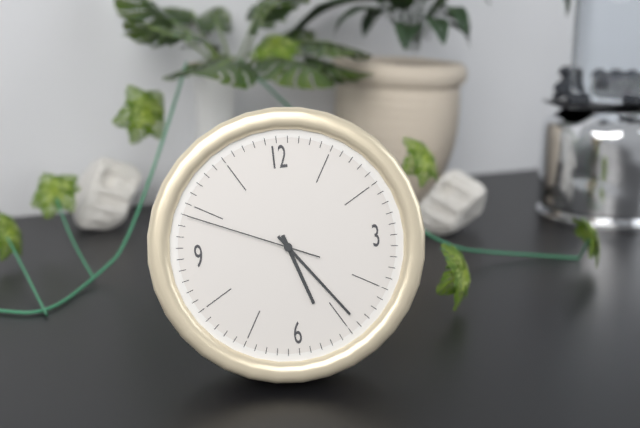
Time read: 5:24:49
